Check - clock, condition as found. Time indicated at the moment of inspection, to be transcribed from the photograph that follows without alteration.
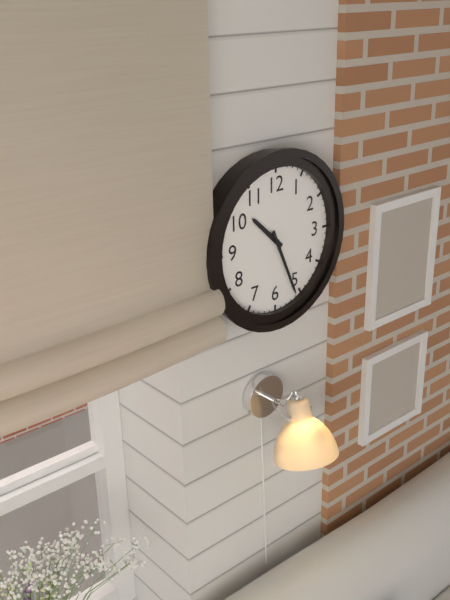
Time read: 10:26
